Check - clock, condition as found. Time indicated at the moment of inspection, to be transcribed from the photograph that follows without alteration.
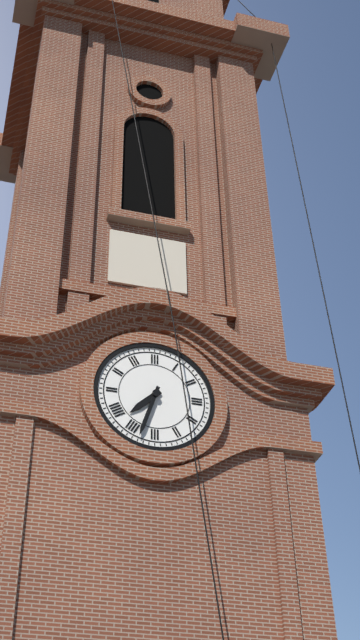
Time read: 7:33
